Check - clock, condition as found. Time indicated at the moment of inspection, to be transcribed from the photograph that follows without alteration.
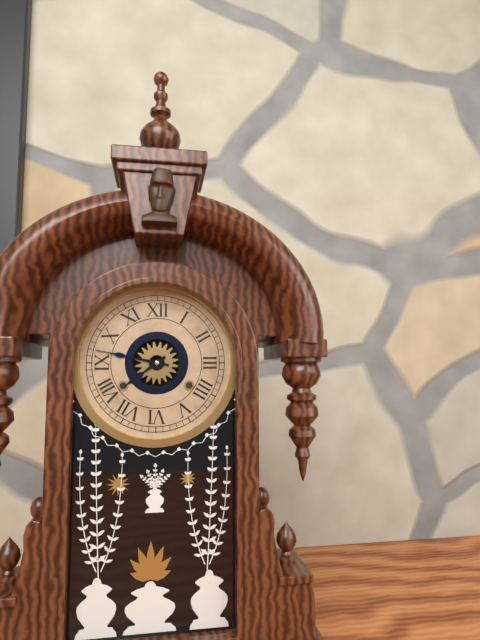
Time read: 7:47
